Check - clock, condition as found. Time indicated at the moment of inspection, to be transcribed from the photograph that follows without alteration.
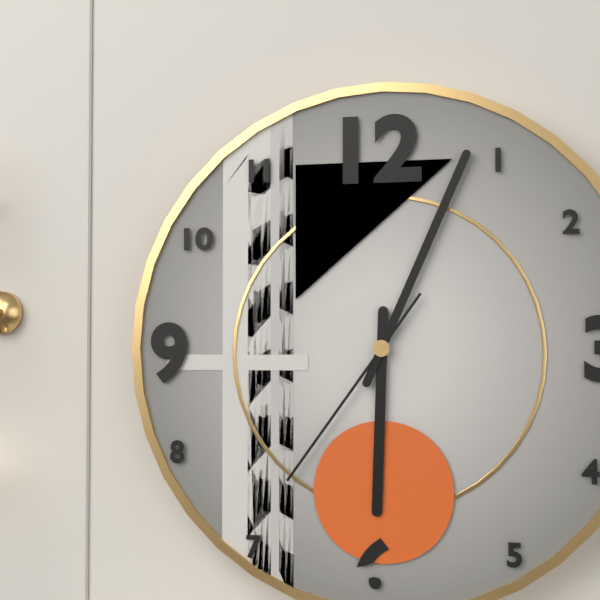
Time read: 6:04:36
